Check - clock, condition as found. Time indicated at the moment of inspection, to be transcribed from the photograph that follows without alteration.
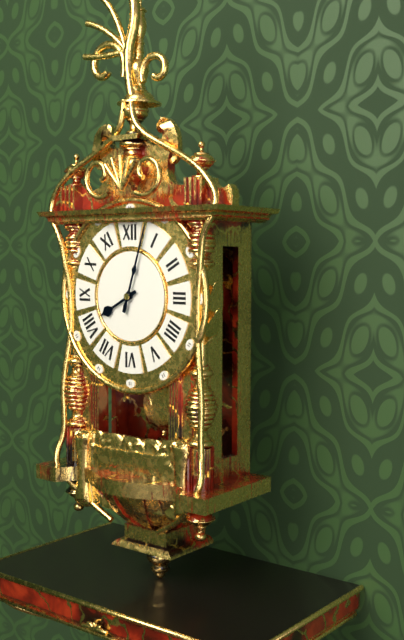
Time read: 8:03
